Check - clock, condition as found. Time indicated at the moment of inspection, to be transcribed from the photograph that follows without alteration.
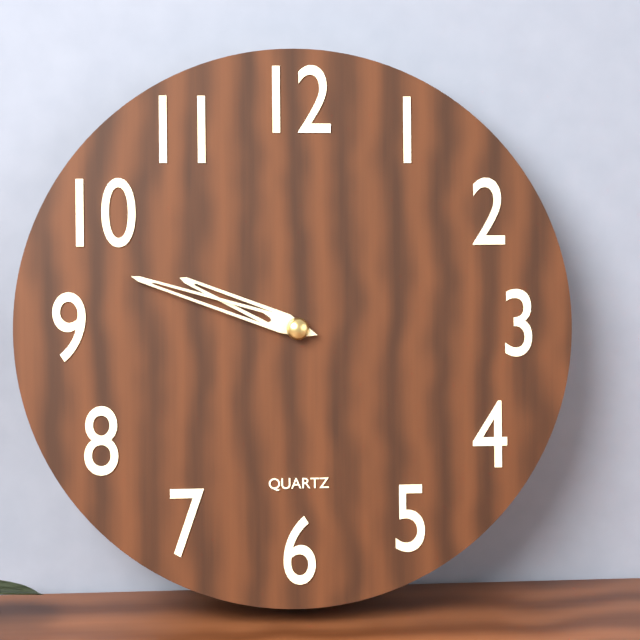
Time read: 9:48
